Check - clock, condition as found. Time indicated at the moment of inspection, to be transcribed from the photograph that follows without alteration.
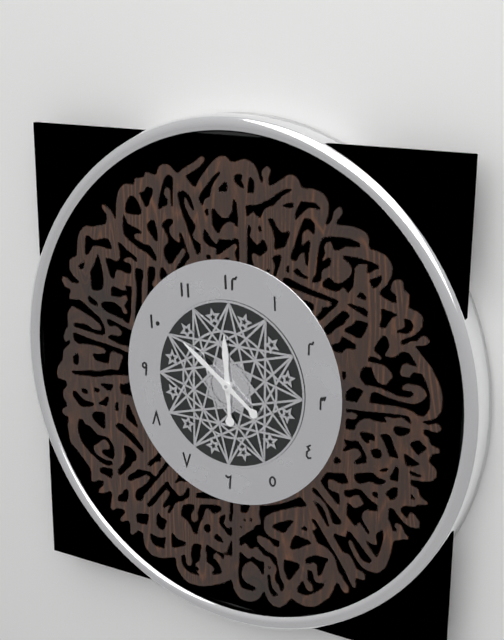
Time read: 11:51
